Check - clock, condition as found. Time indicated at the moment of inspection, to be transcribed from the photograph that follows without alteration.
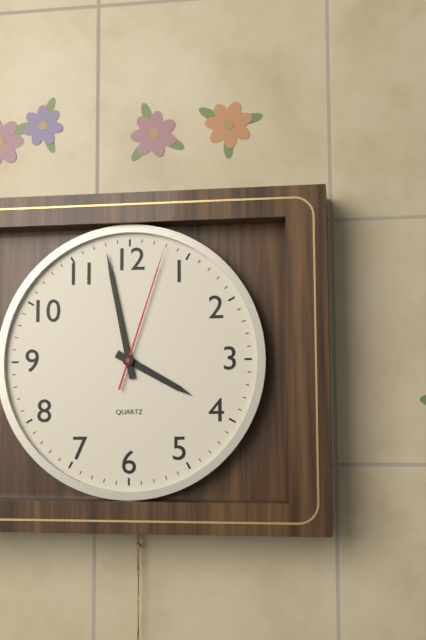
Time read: 3:58:03
